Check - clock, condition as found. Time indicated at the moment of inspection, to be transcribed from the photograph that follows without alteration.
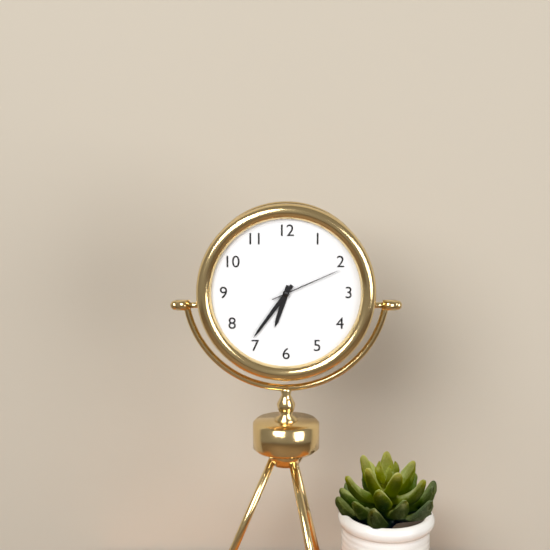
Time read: 6:36:11
